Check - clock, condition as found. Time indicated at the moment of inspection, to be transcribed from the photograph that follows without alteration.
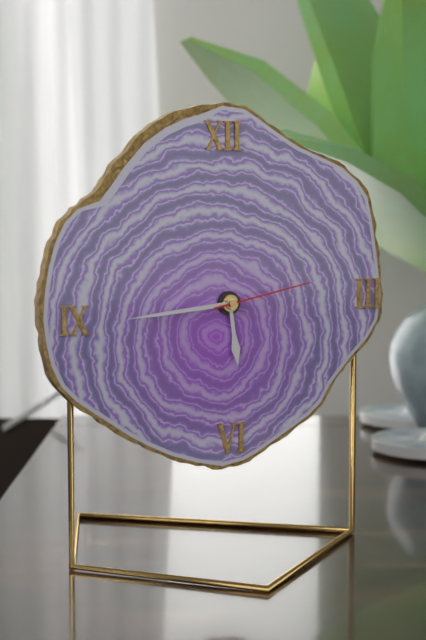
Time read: 5:44:13
